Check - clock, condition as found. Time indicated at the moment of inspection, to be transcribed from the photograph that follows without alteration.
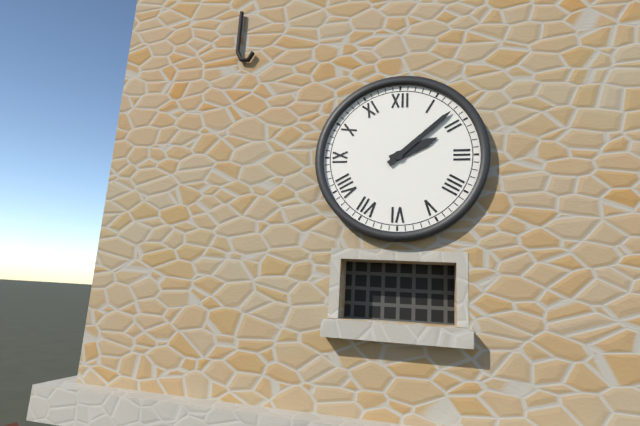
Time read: 2:08
